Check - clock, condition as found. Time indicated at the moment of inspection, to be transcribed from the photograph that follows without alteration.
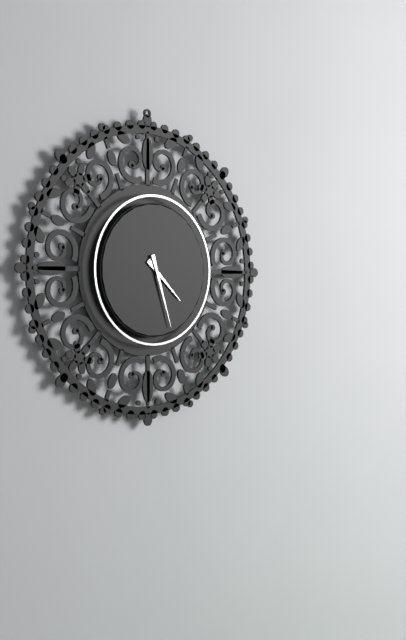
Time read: 4:27
